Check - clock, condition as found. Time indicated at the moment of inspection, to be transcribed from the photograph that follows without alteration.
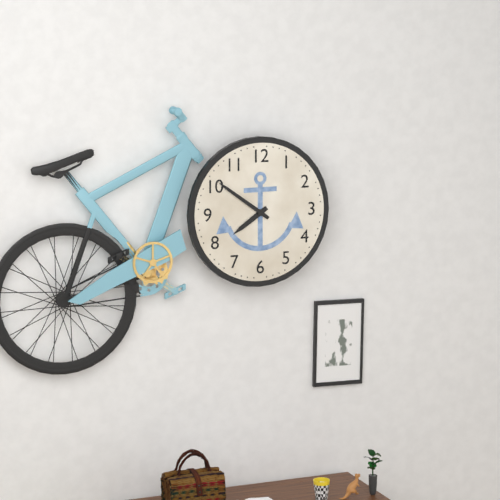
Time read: 7:51
